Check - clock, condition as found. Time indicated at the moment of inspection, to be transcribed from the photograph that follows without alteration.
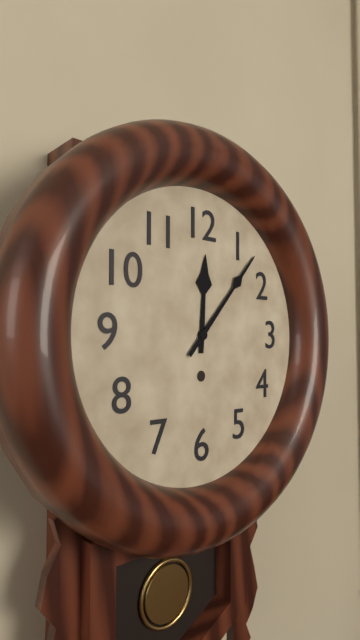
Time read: 12:07
